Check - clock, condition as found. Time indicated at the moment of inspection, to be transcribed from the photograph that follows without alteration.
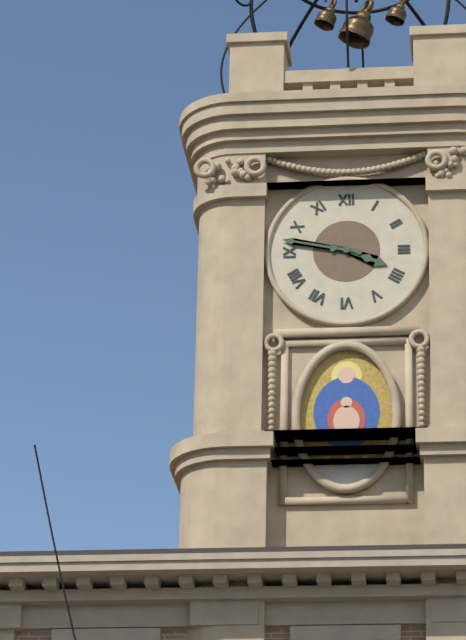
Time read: 3:47
